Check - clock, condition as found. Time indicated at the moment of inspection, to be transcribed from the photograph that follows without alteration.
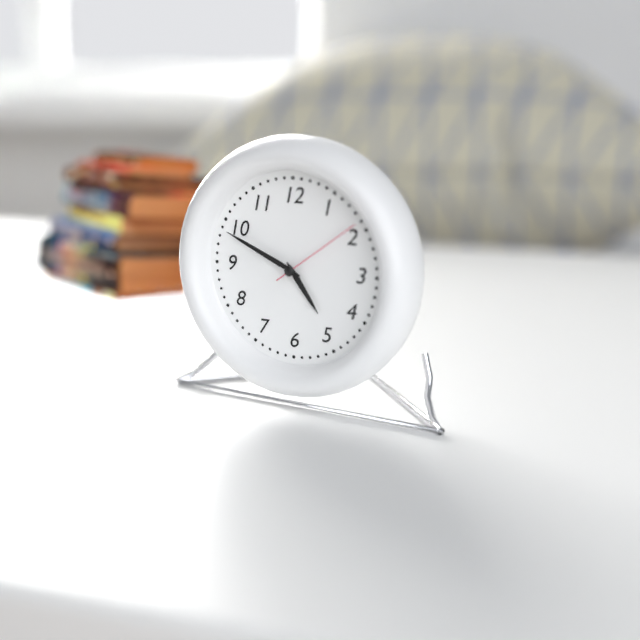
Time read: 4:49:09
